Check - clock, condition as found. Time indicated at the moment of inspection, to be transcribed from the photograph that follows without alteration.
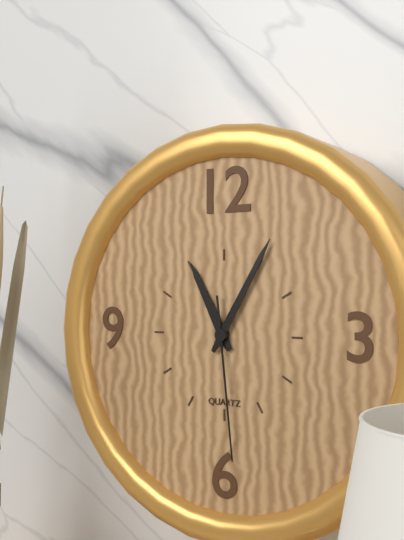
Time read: 11:05:29
